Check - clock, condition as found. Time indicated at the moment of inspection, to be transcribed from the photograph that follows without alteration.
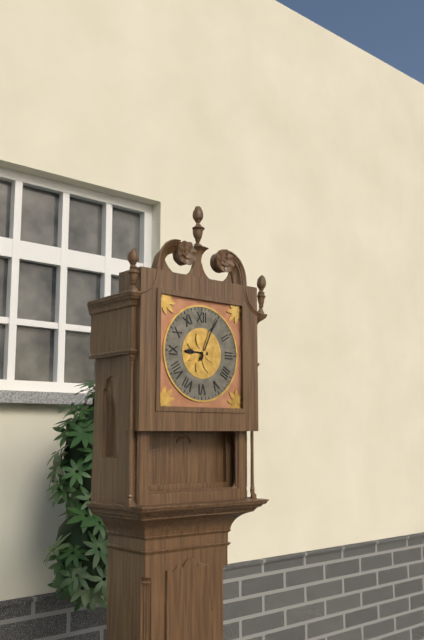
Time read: 9:04
